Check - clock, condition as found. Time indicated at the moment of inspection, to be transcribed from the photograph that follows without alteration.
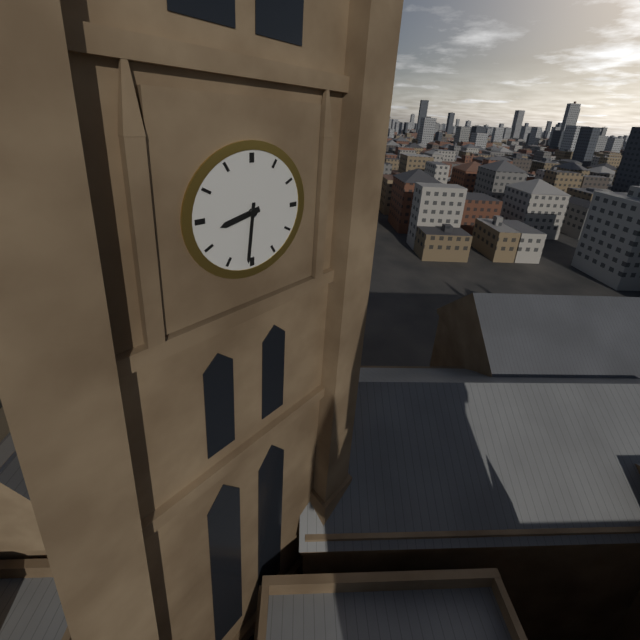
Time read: 8:31
